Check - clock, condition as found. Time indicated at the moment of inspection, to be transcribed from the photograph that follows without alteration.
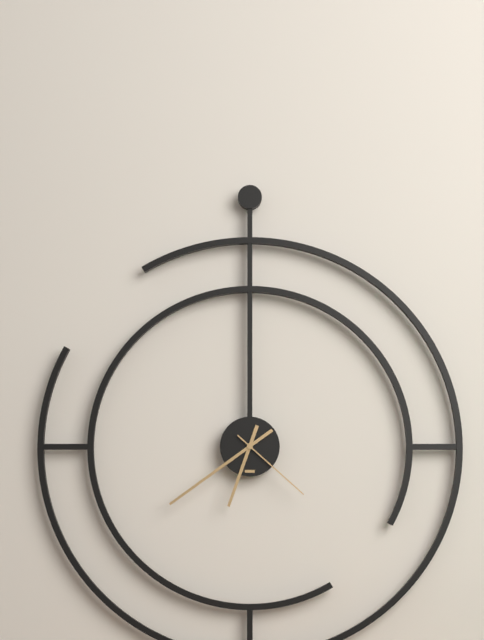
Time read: 6:39:22
